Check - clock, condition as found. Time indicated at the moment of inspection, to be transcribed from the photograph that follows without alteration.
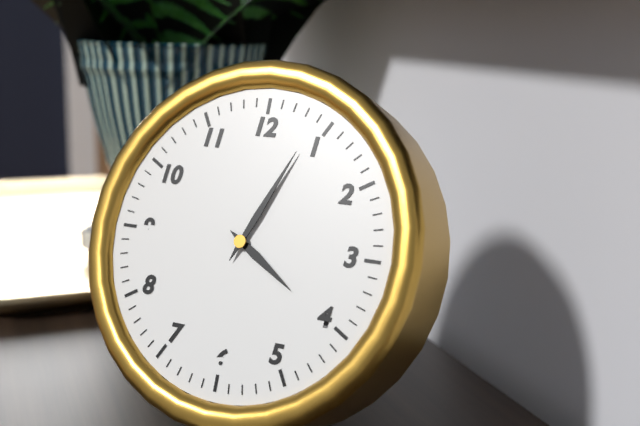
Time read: 4:04
